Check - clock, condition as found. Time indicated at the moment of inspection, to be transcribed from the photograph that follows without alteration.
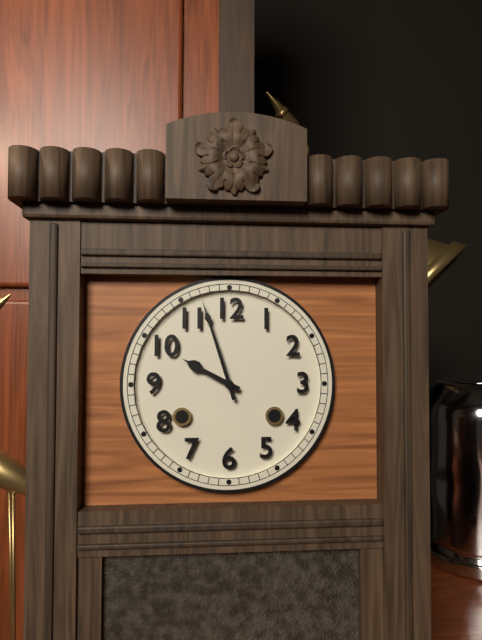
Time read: 9:57
